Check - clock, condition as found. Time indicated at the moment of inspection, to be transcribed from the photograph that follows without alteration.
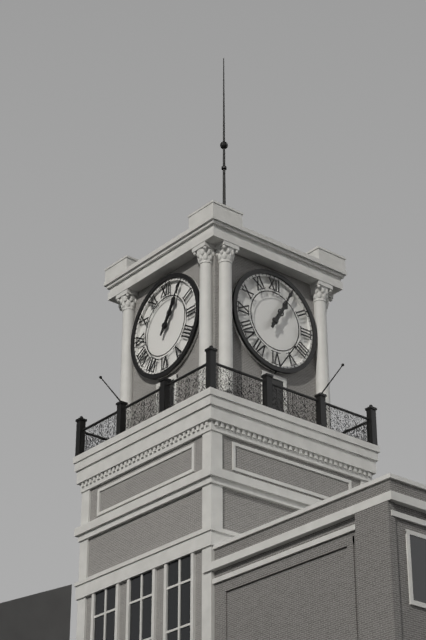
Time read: 1:05
